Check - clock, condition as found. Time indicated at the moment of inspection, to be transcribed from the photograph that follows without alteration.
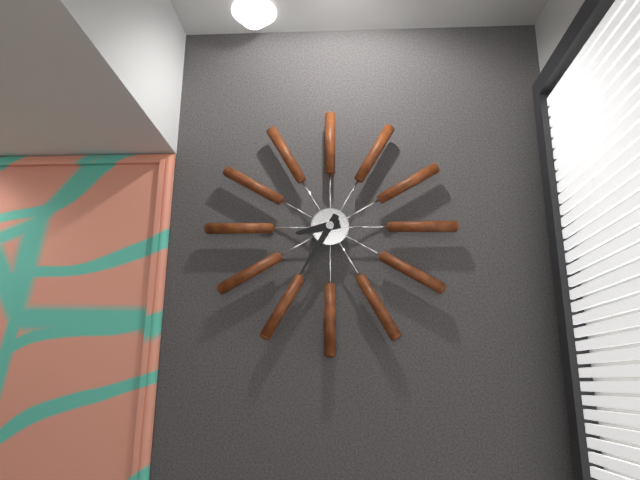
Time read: 8:35
